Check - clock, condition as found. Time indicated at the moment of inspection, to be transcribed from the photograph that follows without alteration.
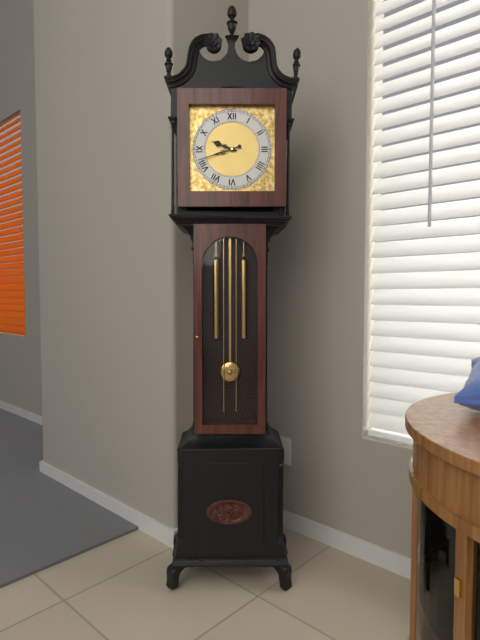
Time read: 9:42
